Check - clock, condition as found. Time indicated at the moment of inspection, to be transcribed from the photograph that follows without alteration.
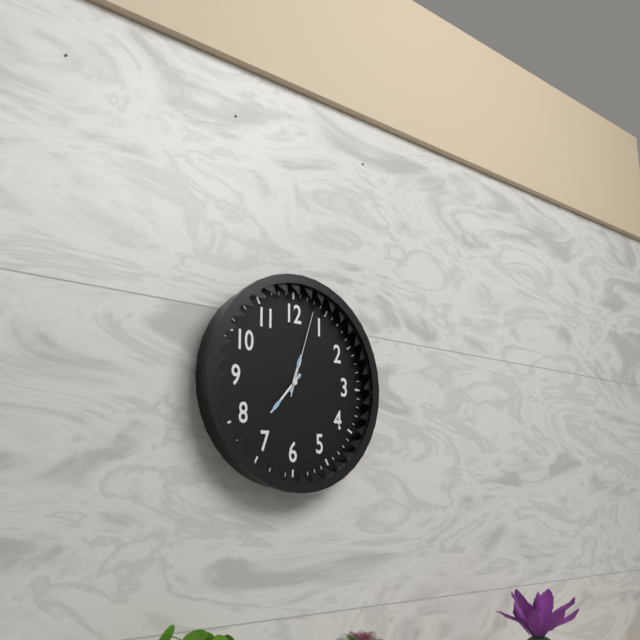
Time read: 12:37:03
